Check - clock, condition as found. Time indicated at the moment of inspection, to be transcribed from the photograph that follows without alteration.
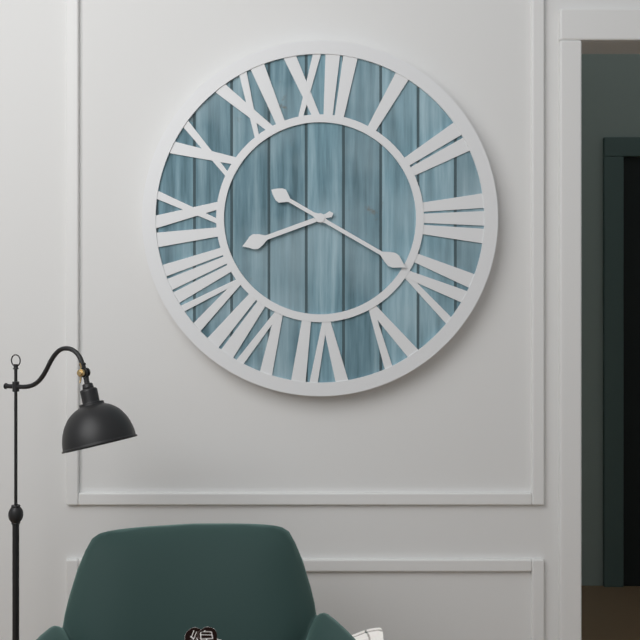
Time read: 8:20
